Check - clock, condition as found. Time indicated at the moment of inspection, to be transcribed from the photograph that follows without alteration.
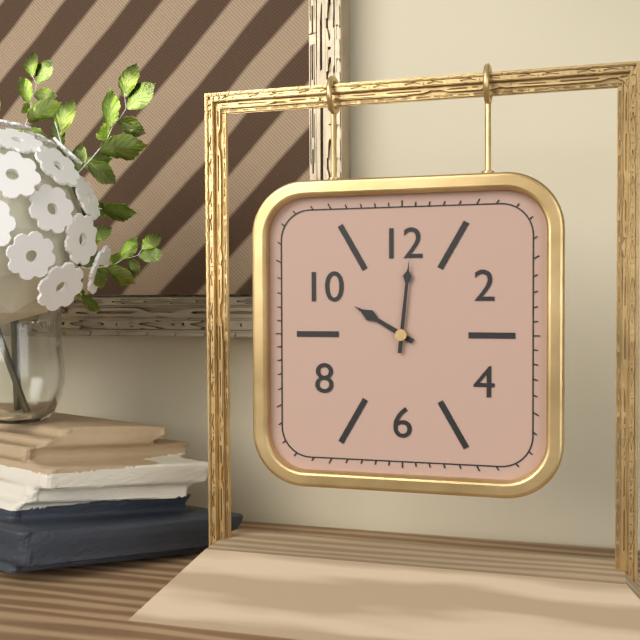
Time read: 10:01
